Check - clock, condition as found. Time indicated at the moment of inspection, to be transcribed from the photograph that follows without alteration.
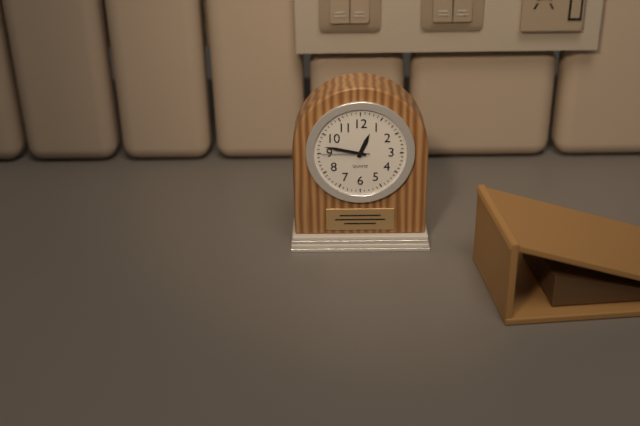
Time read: 12:47
